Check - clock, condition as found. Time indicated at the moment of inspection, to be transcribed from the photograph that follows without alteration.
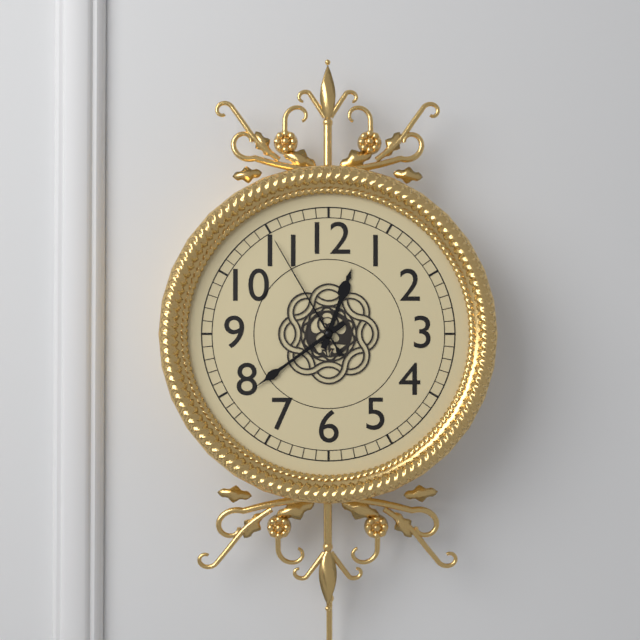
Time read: 12:39:55
